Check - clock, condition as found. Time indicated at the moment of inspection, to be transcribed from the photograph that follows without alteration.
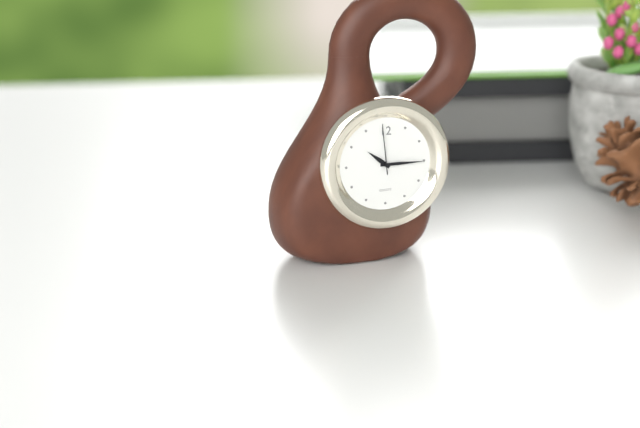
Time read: 10:15:59
